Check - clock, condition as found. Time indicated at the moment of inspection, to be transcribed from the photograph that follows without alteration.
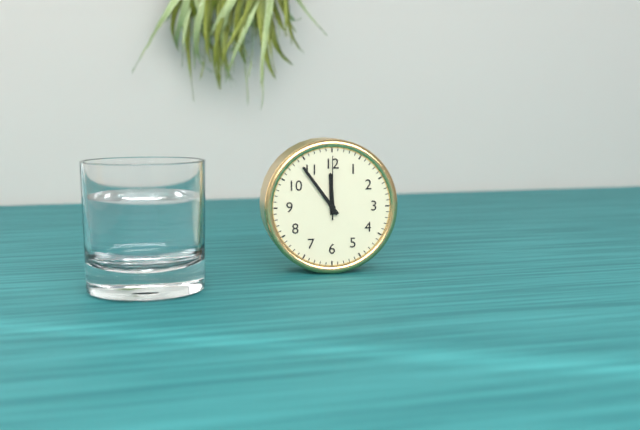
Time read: 11:54:00
